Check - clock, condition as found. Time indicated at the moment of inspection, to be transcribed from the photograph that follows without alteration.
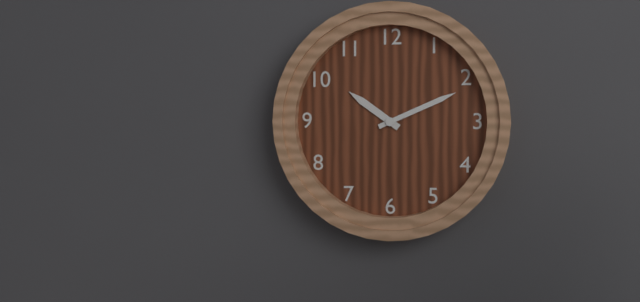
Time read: 10:11
